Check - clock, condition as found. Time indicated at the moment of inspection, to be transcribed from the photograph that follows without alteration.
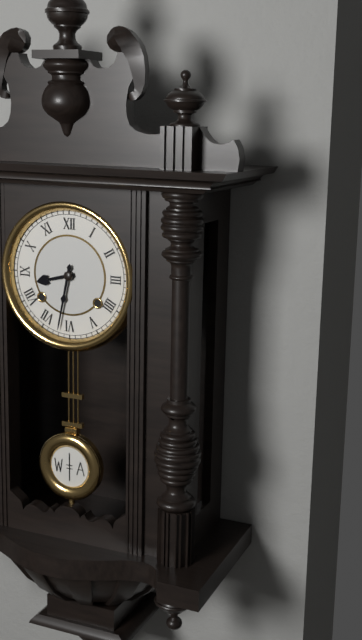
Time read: 8:32
